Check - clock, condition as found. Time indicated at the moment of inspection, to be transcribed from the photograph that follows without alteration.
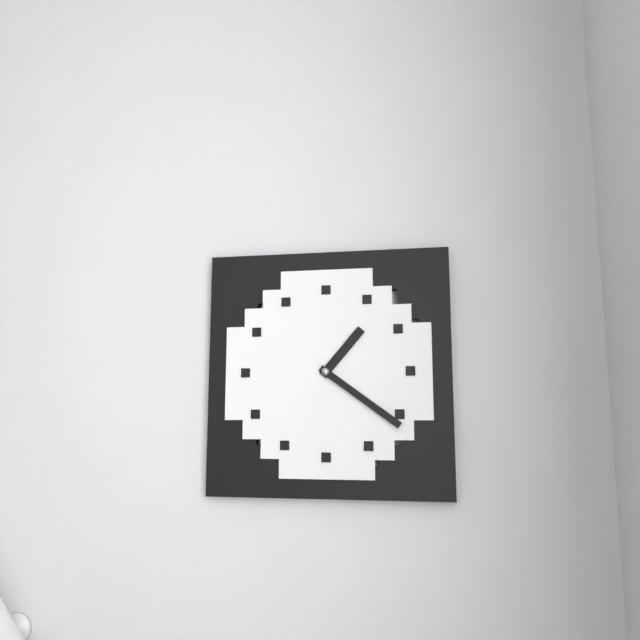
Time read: 1:21
